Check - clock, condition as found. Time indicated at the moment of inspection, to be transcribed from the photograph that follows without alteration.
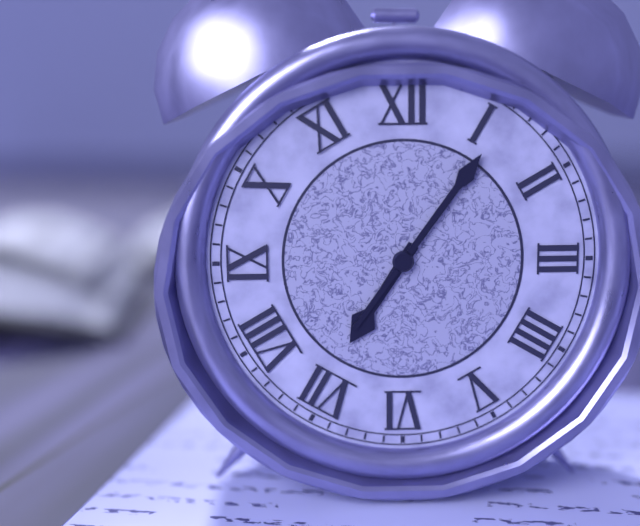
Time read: 7:06
